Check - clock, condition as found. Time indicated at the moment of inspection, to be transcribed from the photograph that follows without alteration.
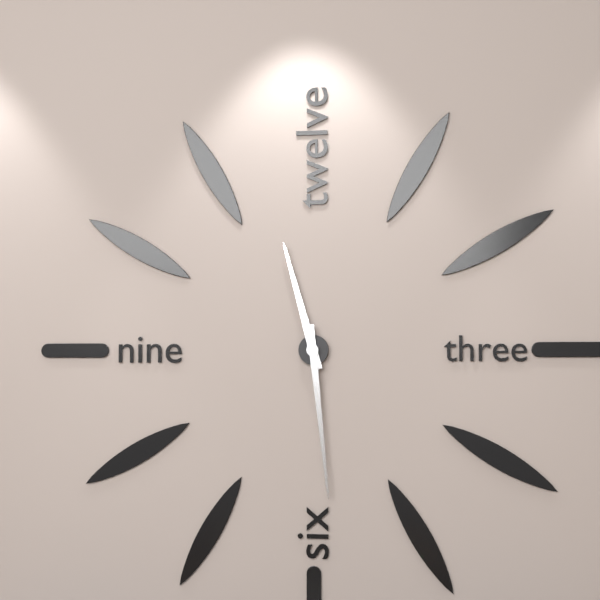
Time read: 11:29
